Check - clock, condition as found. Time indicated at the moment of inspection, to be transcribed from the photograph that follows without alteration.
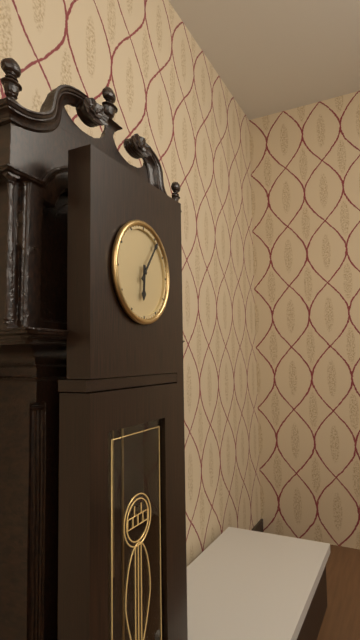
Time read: 6:06
